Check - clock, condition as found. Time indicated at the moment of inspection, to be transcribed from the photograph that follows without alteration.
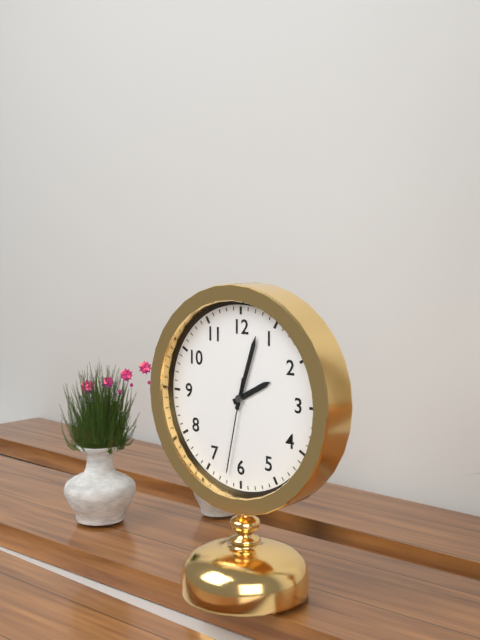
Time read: 2:03:32
